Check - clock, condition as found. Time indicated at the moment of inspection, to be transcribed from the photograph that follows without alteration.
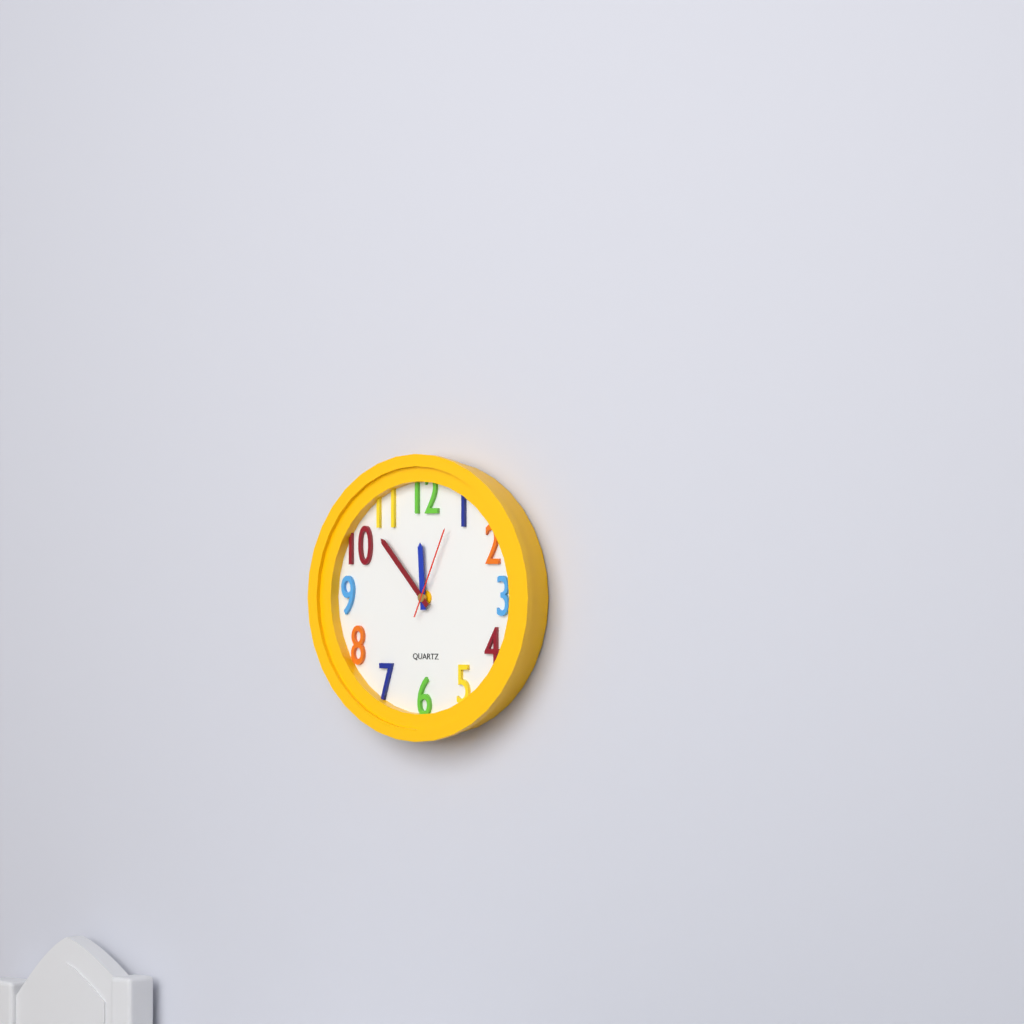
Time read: 11:53:04
